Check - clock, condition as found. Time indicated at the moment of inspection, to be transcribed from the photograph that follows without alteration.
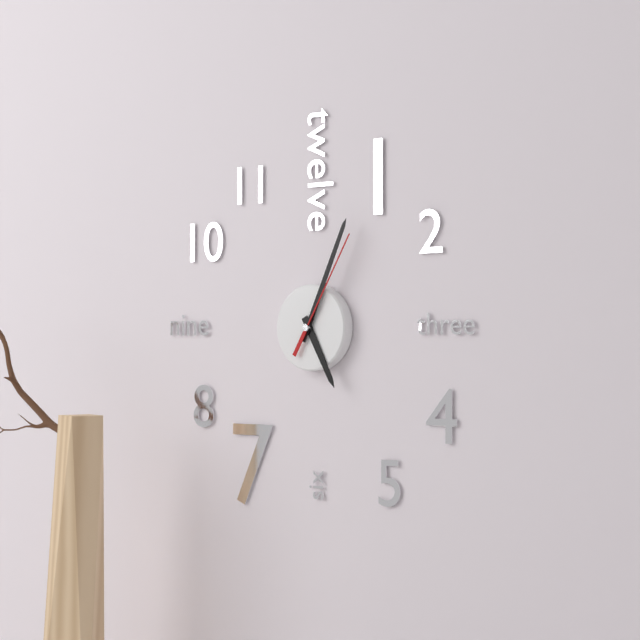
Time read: 5:04:05
